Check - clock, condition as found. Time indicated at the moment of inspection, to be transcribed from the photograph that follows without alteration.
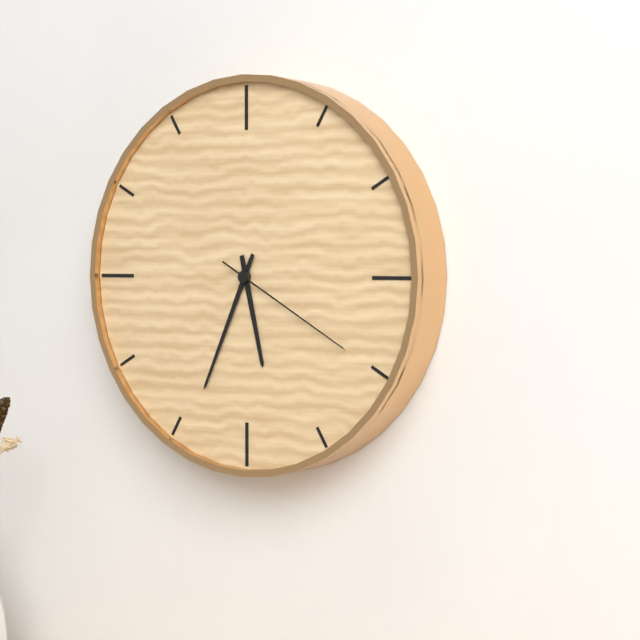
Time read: 5:34:20
